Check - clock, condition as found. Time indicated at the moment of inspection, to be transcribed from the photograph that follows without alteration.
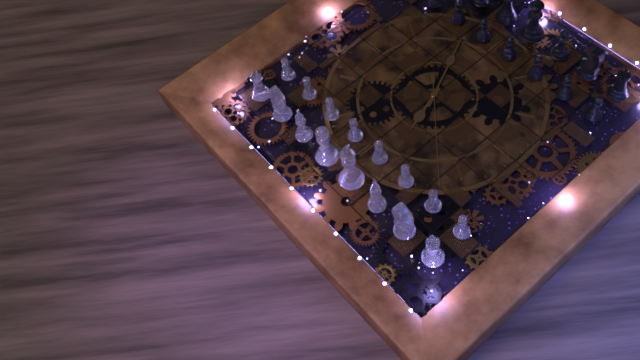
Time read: 11:26:52
